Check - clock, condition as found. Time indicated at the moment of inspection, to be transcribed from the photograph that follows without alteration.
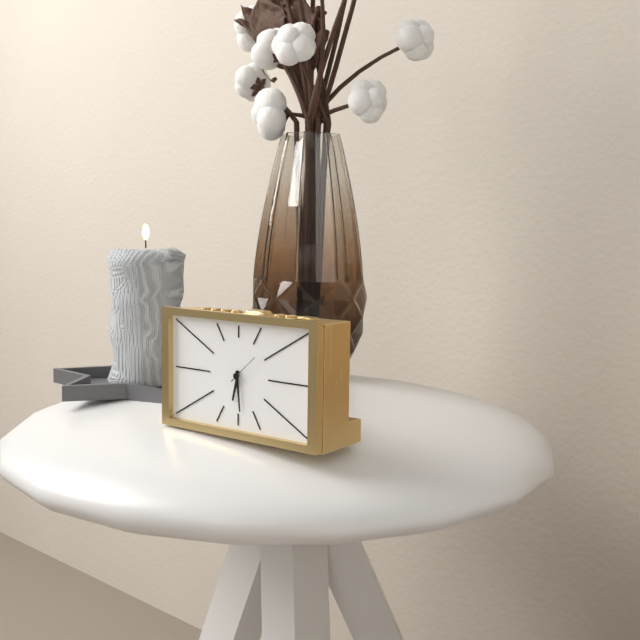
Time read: 6:29
